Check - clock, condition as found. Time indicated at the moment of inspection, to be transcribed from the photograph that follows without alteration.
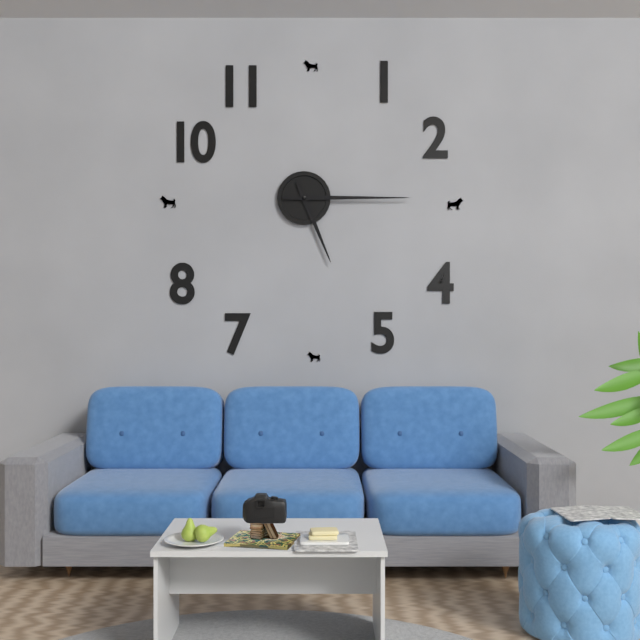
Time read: 5:15
